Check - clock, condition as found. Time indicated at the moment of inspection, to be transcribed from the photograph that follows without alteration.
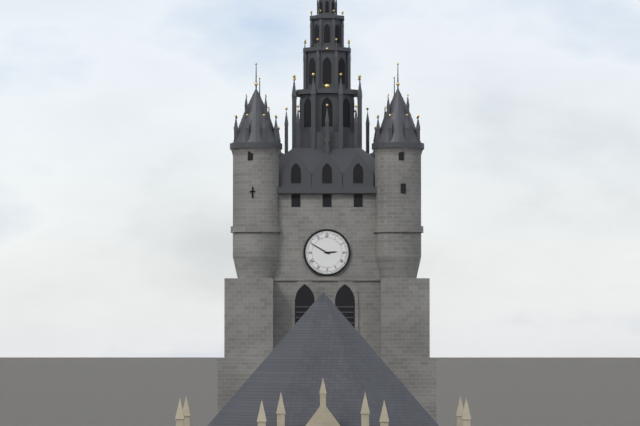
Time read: 2:50
